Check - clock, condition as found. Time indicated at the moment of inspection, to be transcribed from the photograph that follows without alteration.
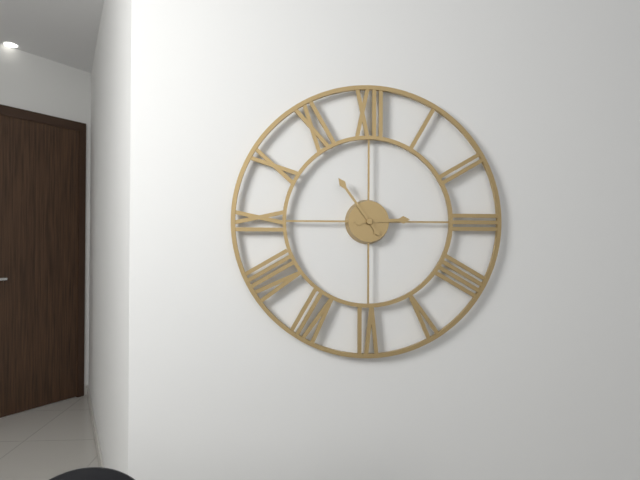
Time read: 2:54
